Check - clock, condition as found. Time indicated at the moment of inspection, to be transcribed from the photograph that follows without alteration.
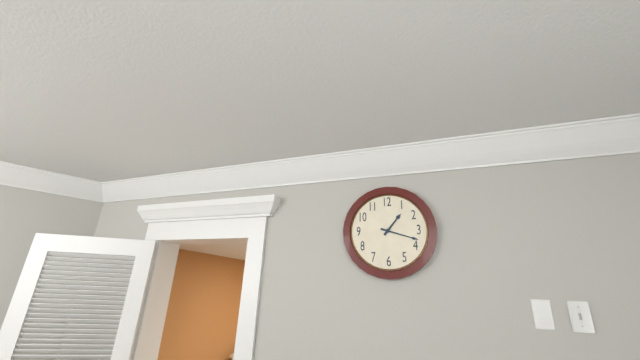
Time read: 1:18
